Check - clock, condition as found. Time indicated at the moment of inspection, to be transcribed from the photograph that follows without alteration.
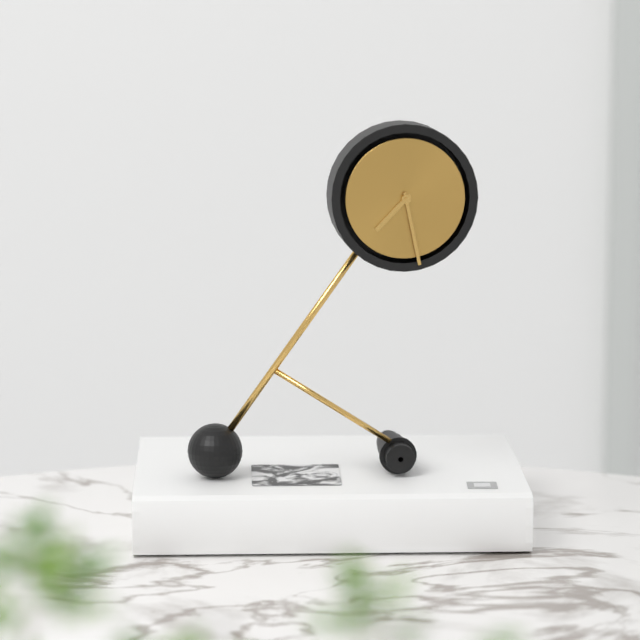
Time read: 7:28
